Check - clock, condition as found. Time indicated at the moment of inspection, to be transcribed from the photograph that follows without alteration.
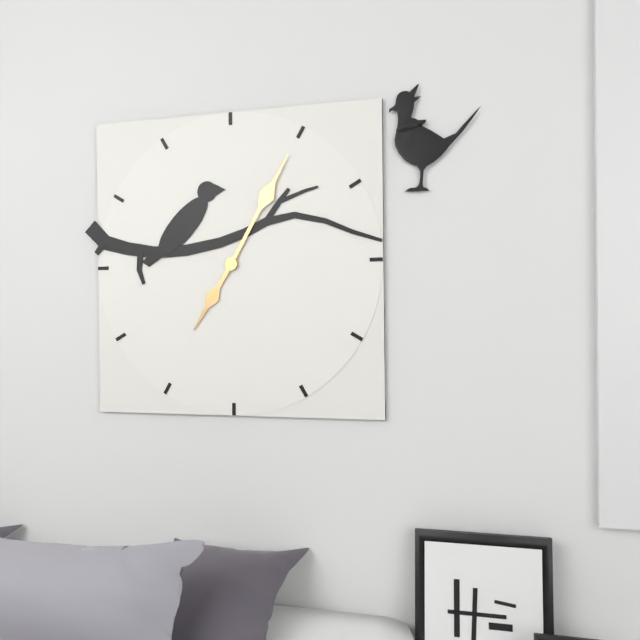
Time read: 7:05
